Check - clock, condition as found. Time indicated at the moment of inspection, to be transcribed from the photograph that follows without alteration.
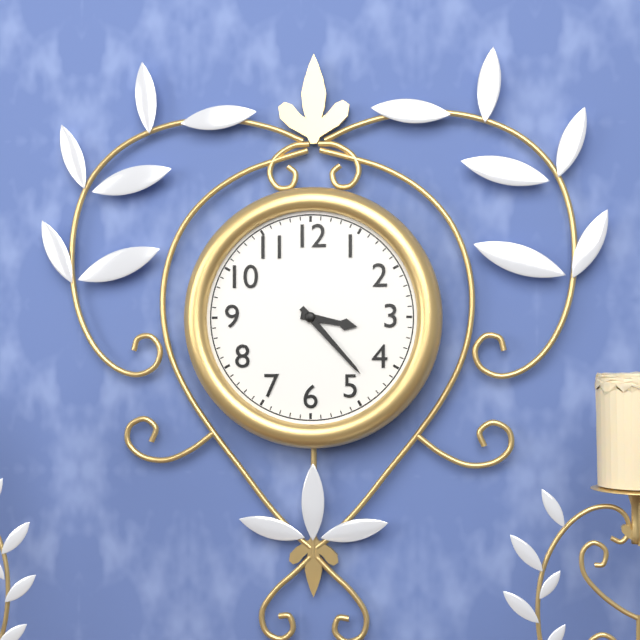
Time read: 3:23
